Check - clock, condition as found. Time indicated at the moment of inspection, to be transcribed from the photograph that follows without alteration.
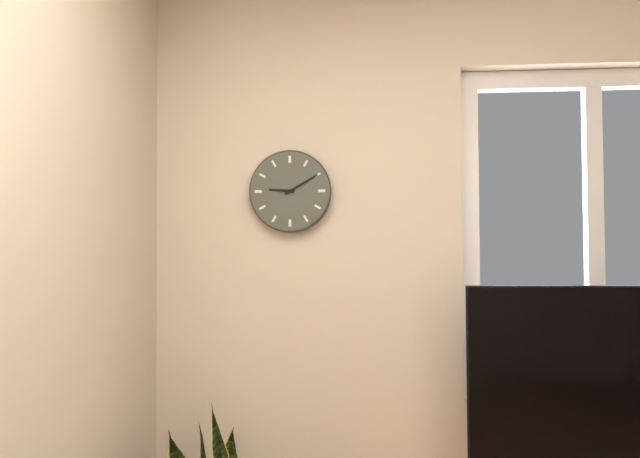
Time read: 9:10
